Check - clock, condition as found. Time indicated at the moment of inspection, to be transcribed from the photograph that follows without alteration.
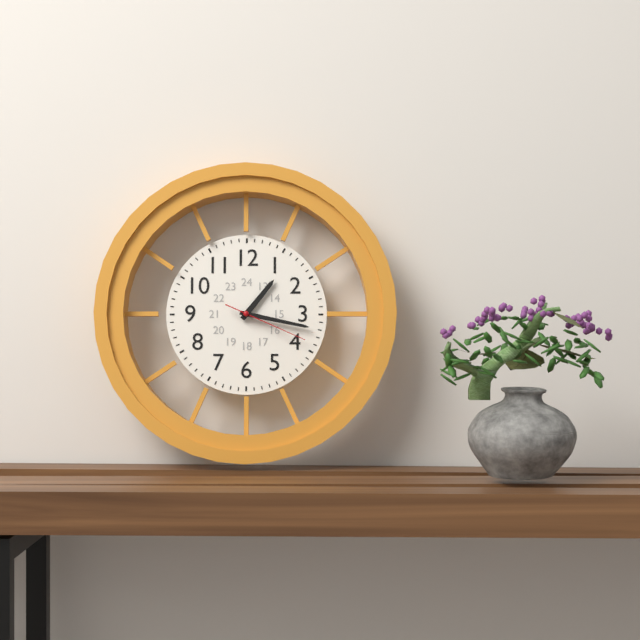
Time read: 1:17:19
